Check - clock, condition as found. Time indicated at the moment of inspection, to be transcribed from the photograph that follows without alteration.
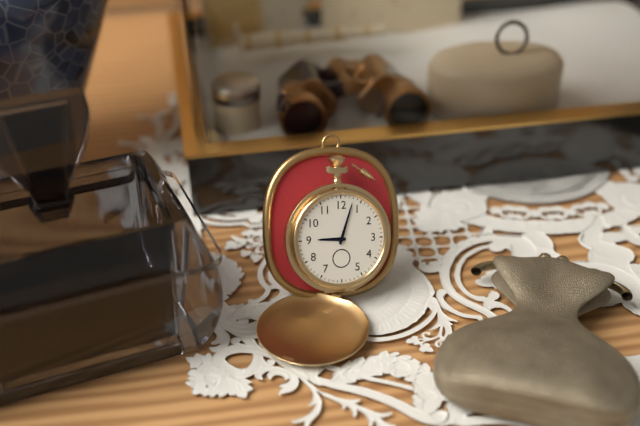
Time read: 9:03
